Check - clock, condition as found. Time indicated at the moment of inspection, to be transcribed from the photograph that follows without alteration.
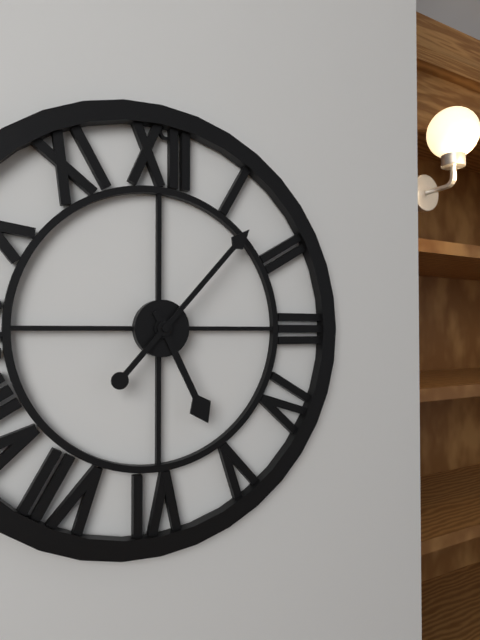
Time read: 5:07
